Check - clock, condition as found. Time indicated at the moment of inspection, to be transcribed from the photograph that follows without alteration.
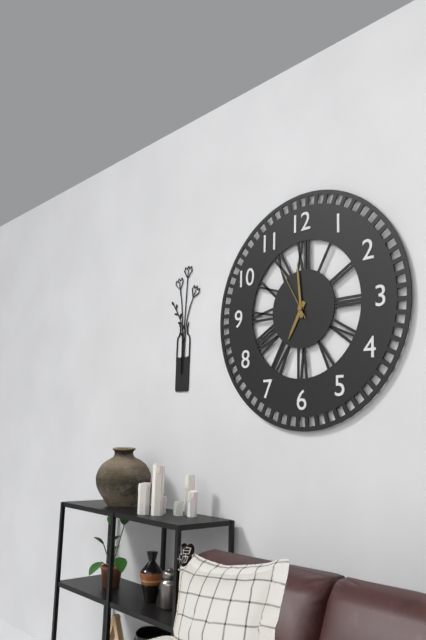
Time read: 6:59:55
